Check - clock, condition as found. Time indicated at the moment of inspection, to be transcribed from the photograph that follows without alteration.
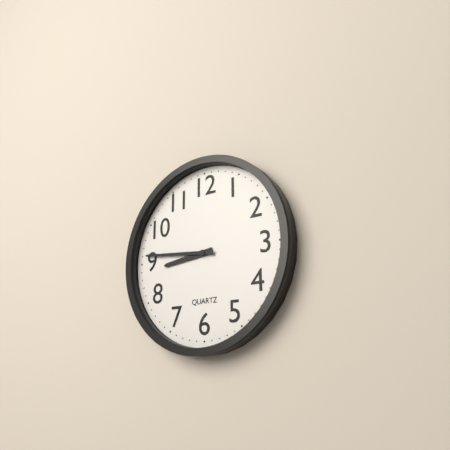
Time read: 8:46
